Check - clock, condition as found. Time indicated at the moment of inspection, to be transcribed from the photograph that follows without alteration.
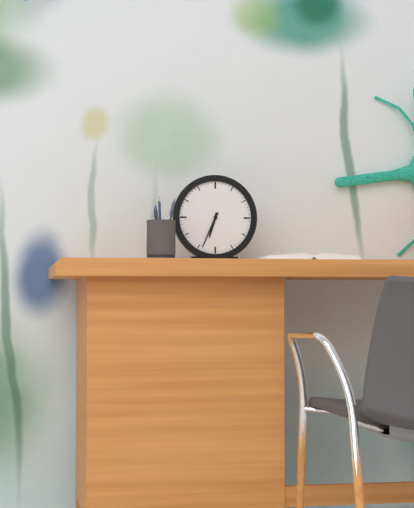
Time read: 6:34
